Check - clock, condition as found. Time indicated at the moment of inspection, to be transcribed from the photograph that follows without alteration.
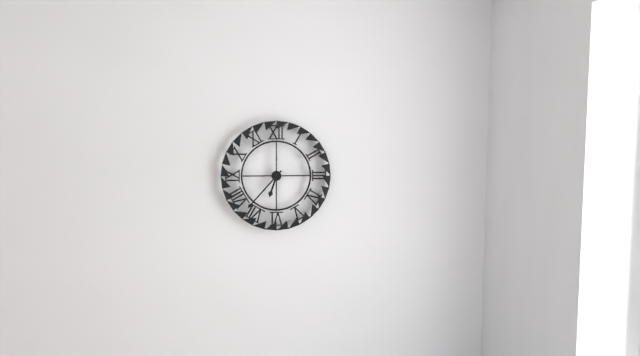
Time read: 6:37
